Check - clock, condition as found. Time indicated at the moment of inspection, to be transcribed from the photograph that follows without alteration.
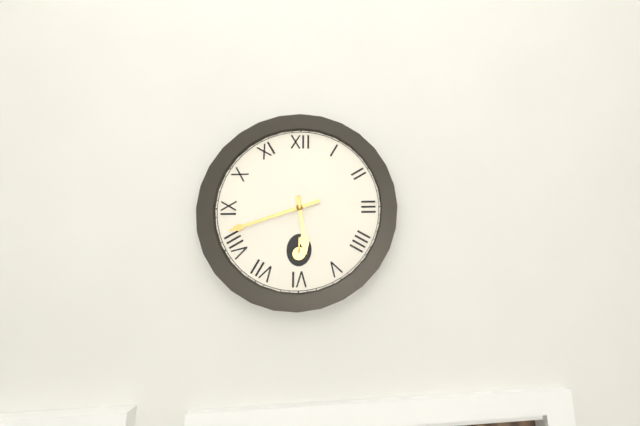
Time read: 5:42
